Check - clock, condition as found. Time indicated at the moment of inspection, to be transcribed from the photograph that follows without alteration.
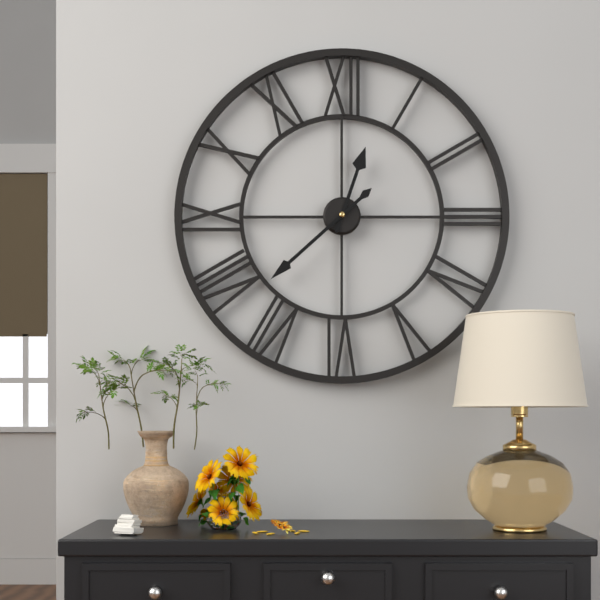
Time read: 12:38
